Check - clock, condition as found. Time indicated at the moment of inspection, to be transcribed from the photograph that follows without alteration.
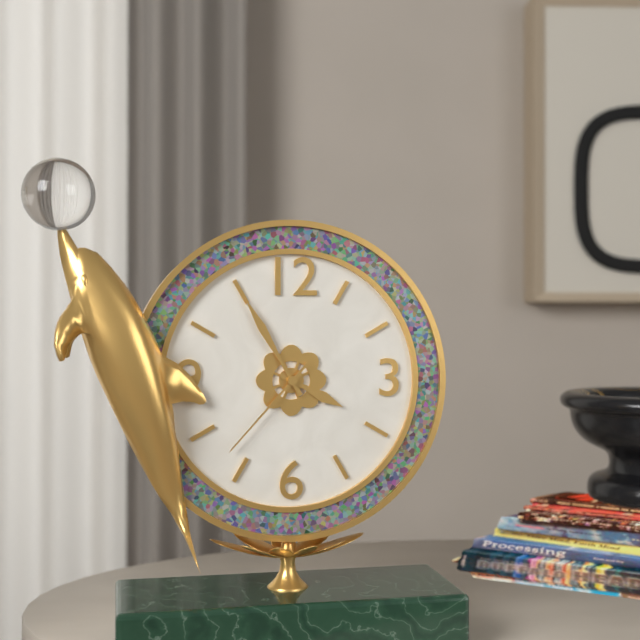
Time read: 3:55:37
